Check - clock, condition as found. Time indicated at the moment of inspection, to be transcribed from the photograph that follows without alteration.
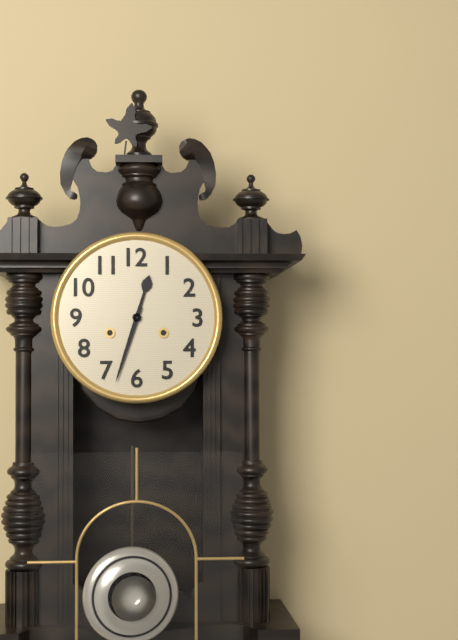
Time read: 12:33
